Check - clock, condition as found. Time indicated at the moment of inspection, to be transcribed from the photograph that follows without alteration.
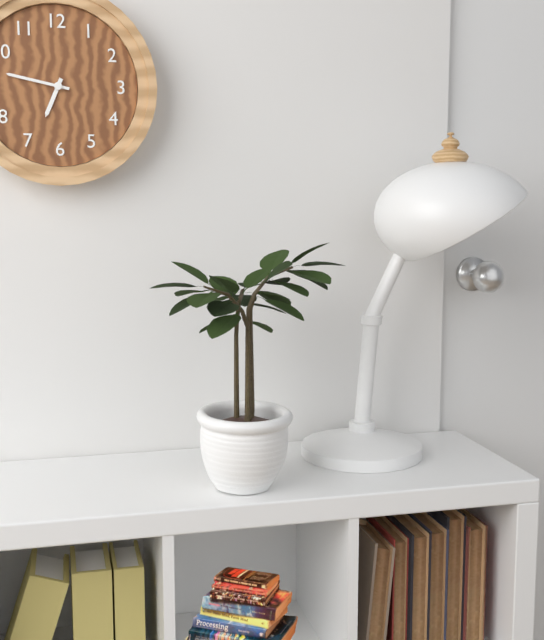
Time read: 6:47
